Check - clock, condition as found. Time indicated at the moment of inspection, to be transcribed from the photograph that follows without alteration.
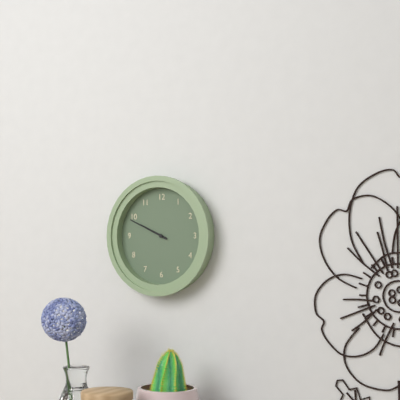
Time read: 9:49
